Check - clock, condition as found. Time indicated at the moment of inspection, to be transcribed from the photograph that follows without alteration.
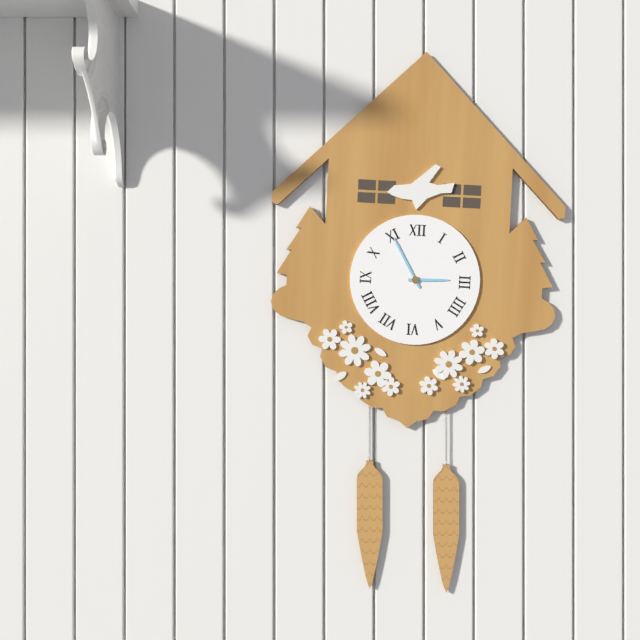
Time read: 2:55
